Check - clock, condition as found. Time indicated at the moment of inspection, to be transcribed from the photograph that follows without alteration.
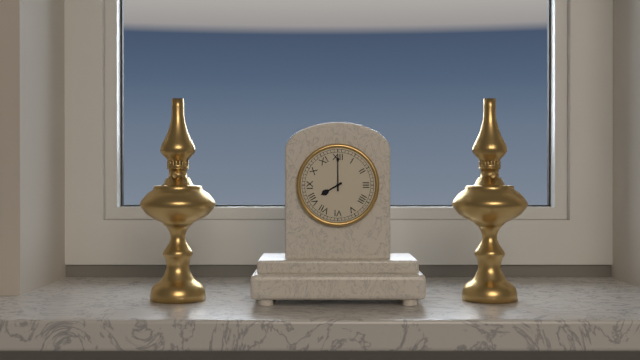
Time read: 8:00
